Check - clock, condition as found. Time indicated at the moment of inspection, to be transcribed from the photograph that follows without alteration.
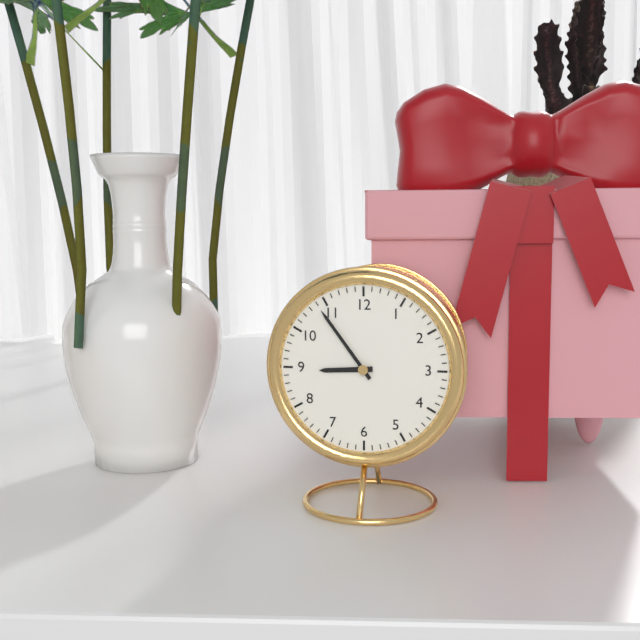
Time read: 8:54
